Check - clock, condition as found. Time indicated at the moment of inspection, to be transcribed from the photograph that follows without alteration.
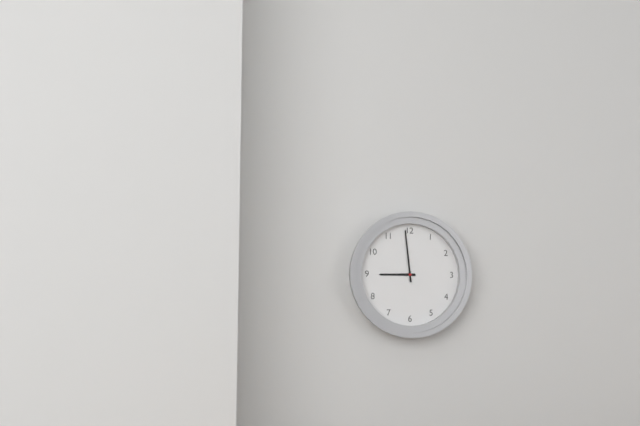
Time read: 8:59
